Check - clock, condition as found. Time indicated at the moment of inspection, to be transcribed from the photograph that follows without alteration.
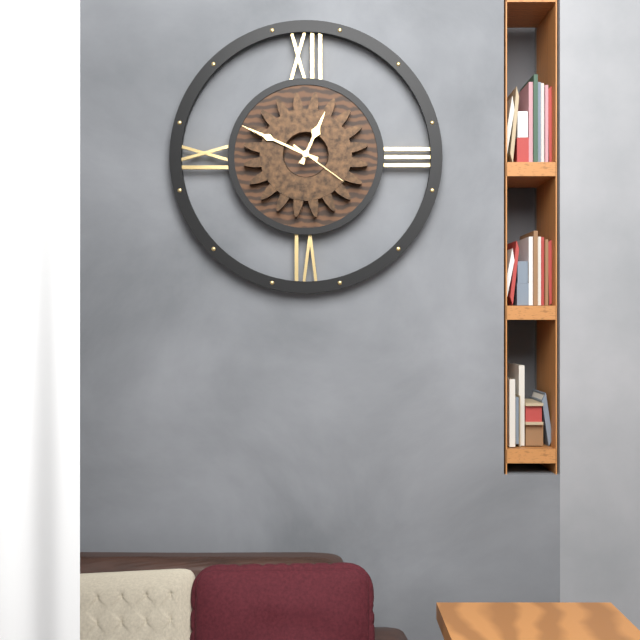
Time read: 12:49:21
